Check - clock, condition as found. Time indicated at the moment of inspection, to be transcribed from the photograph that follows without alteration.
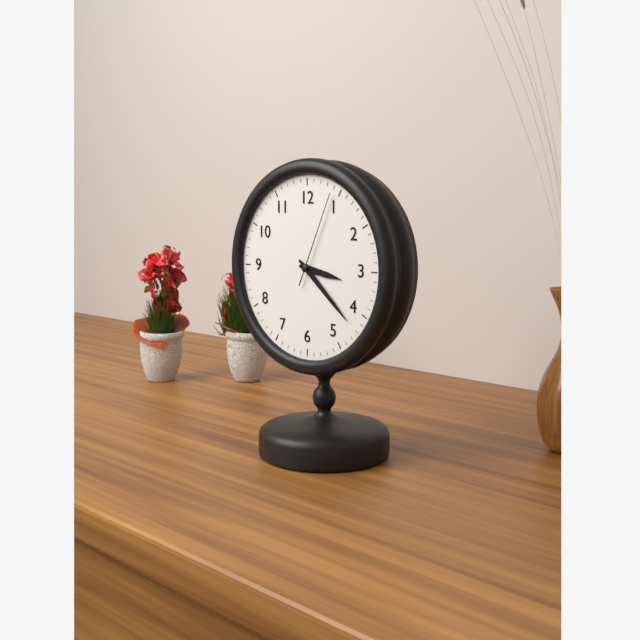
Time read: 3:22:04
